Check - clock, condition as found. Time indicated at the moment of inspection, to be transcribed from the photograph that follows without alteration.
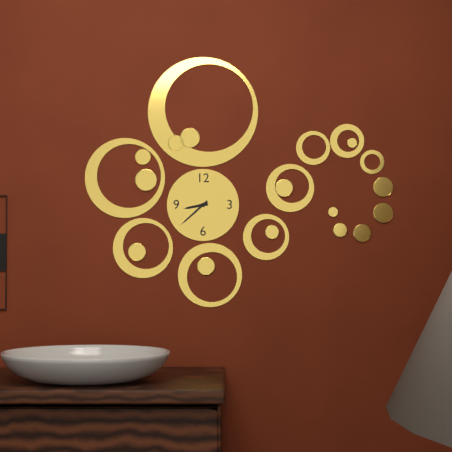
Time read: 8:38
